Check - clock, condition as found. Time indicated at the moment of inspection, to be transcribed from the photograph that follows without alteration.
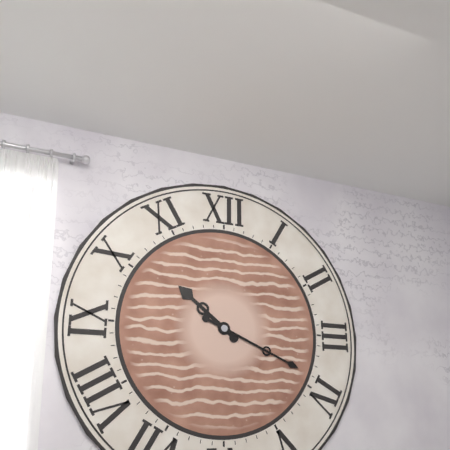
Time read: 10:19
